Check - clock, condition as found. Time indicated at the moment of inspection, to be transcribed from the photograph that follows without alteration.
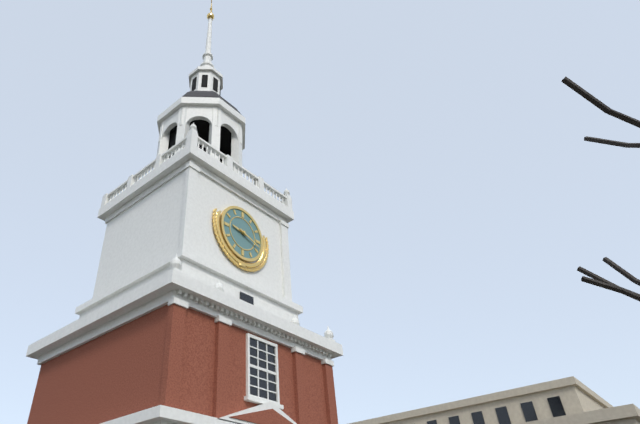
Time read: 9:18
